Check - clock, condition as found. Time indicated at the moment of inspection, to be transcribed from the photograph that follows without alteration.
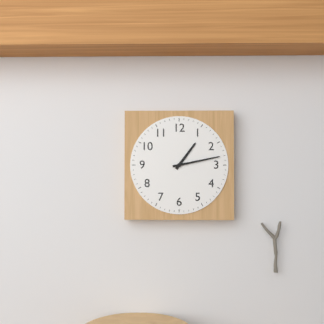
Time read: 1:13
